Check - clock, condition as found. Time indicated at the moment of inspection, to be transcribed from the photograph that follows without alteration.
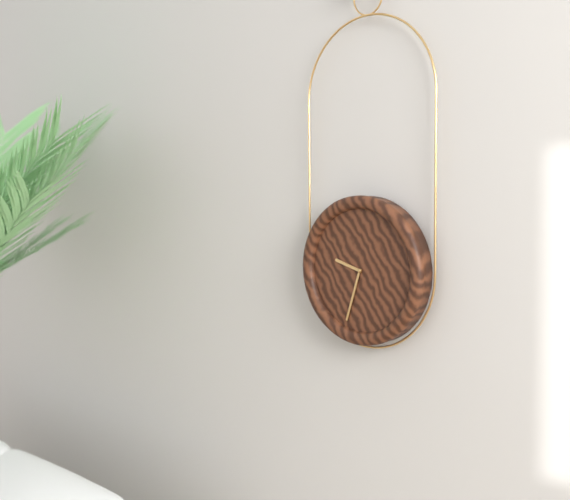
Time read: 9:33
